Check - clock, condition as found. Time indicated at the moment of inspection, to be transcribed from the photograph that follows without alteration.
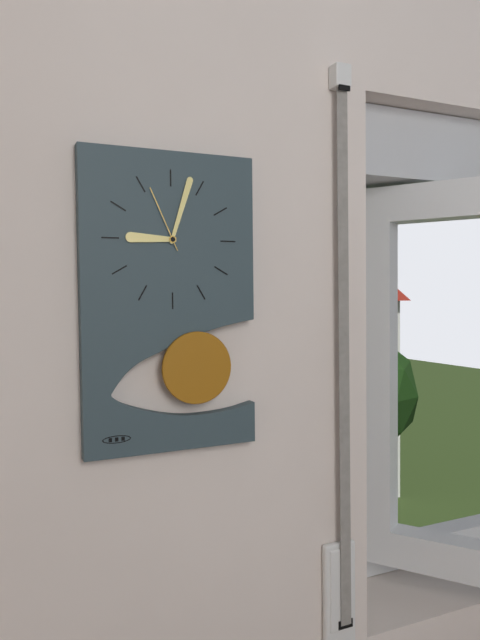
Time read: 9:03:56
